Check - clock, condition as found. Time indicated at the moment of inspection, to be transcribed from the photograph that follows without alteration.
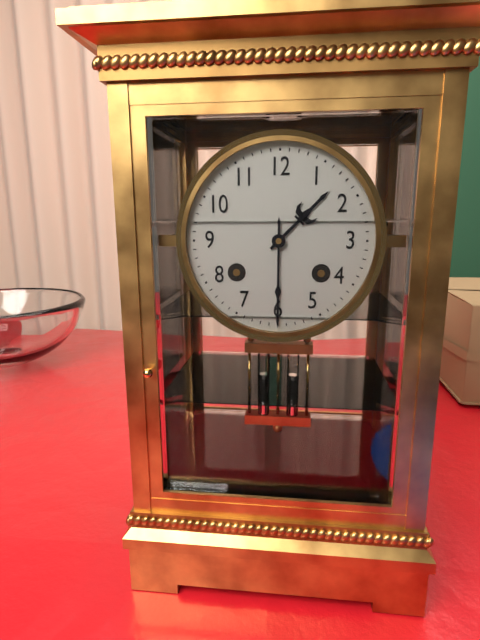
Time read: 1:30
